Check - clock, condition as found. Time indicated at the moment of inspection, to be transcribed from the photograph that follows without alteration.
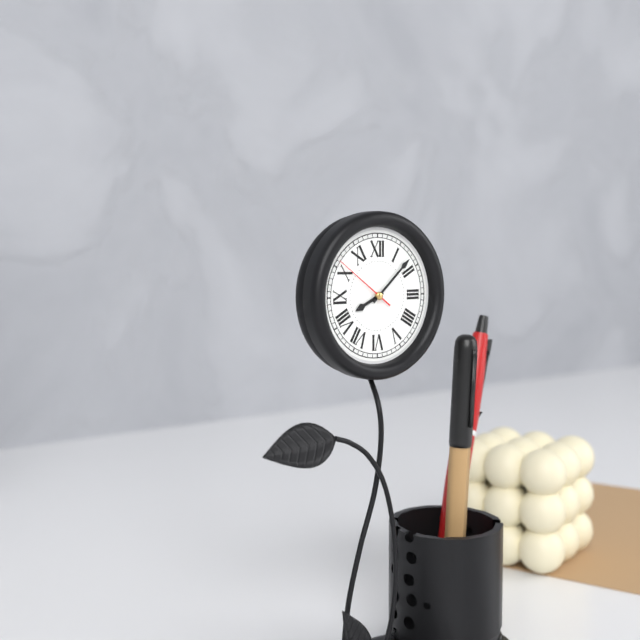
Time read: 8:08:51
